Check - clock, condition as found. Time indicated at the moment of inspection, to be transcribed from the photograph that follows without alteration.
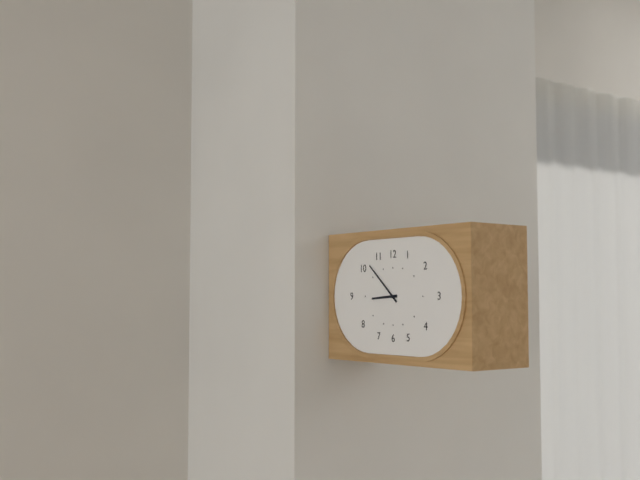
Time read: 8:52
